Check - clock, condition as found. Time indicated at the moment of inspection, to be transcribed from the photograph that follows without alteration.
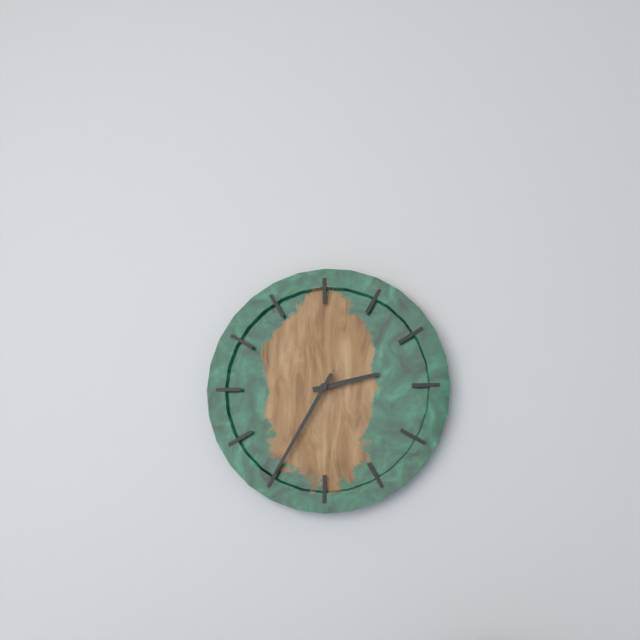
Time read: 2:35
